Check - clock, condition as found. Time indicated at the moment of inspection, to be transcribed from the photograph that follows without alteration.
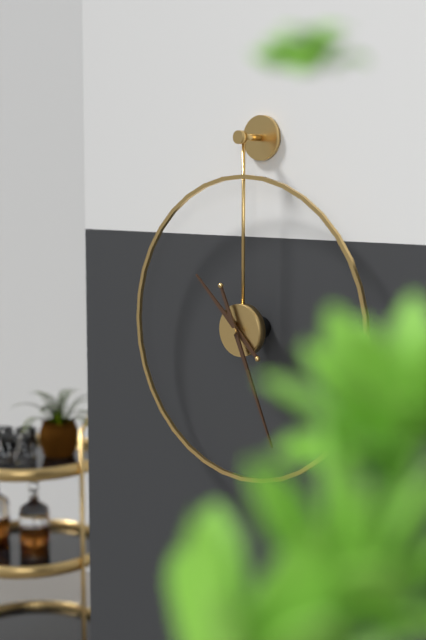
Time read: 10:26
